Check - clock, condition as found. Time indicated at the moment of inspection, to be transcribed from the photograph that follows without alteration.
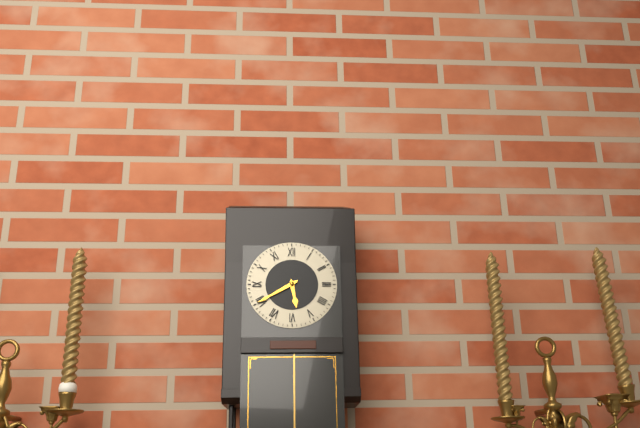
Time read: 5:40
